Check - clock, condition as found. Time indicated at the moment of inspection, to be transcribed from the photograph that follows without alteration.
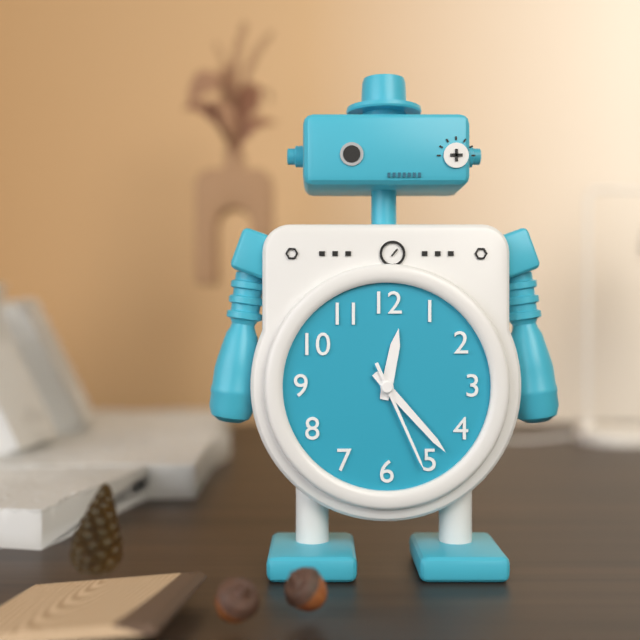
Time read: 12:23:26
